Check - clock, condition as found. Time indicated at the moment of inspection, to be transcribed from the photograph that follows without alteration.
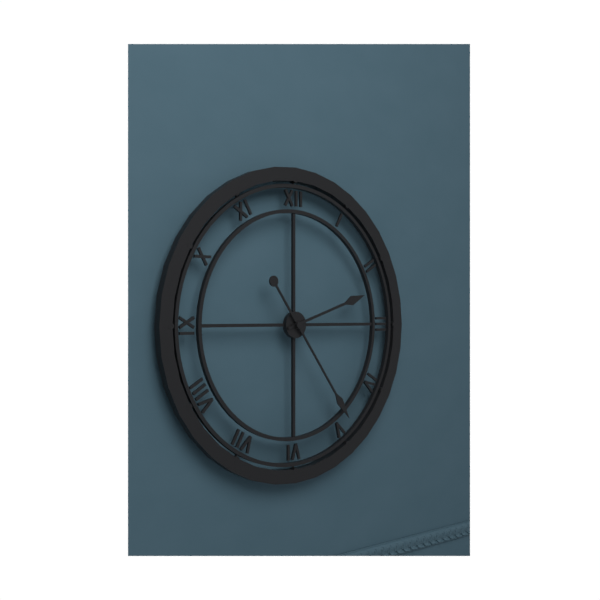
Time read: 2:24
